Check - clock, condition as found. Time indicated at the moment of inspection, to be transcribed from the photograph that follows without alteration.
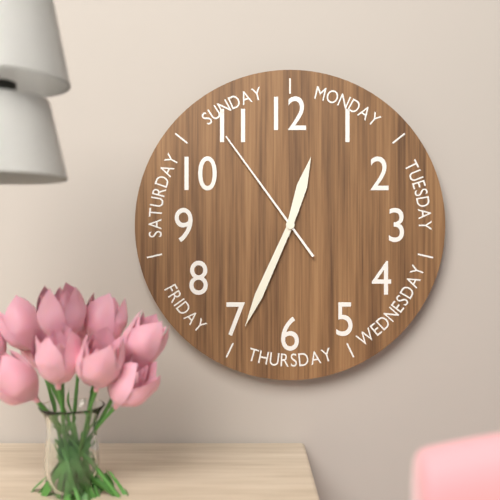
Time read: 12:34:54
